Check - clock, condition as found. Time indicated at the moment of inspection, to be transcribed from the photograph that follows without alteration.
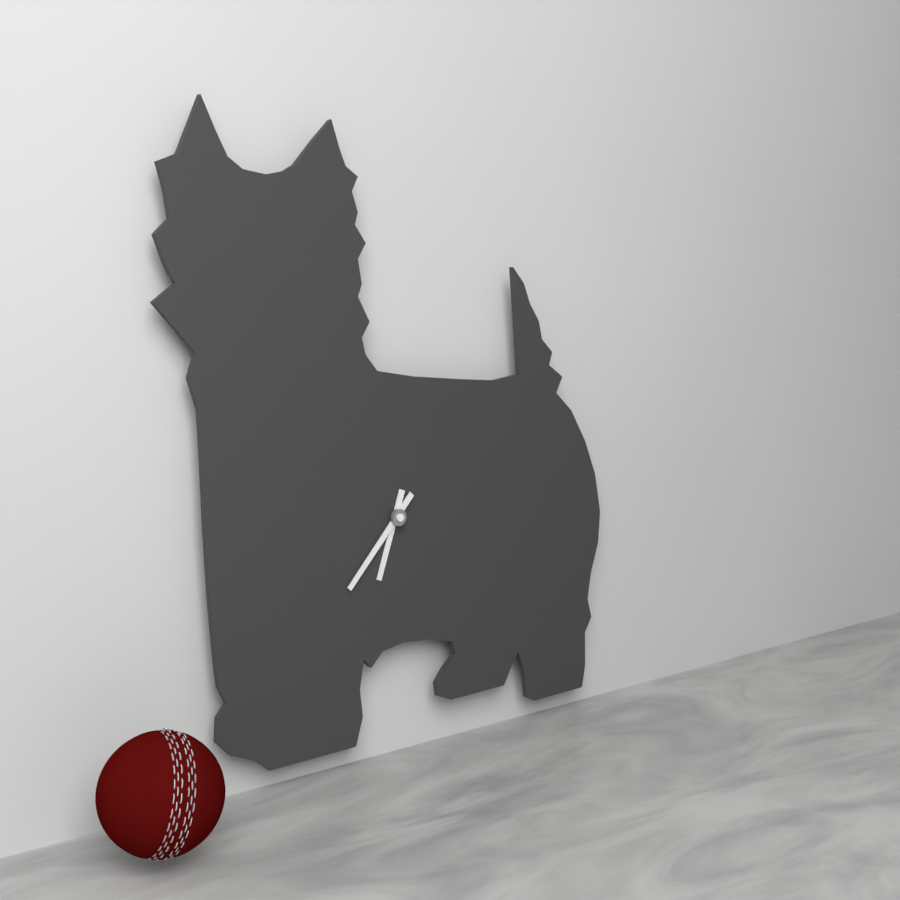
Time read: 6:37
